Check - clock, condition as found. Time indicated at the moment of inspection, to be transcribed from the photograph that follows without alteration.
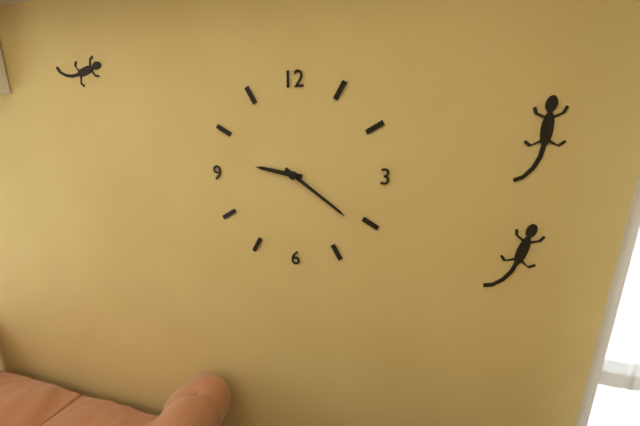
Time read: 9:21
